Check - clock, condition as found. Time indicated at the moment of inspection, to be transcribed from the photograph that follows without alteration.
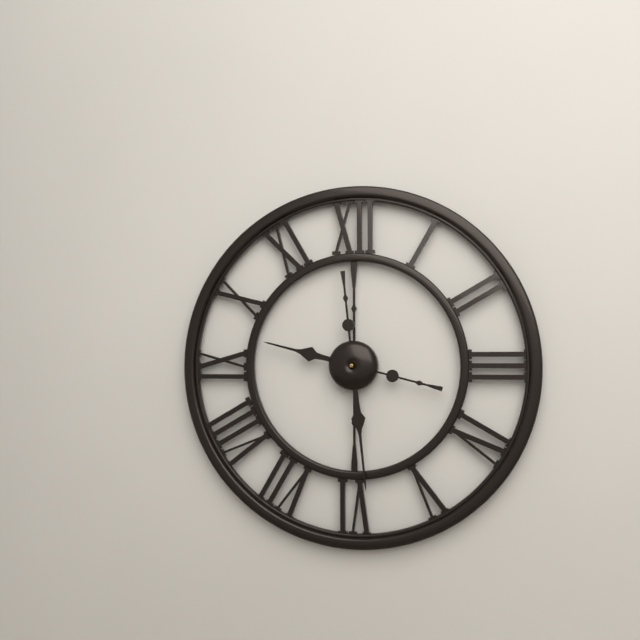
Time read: 9:29
